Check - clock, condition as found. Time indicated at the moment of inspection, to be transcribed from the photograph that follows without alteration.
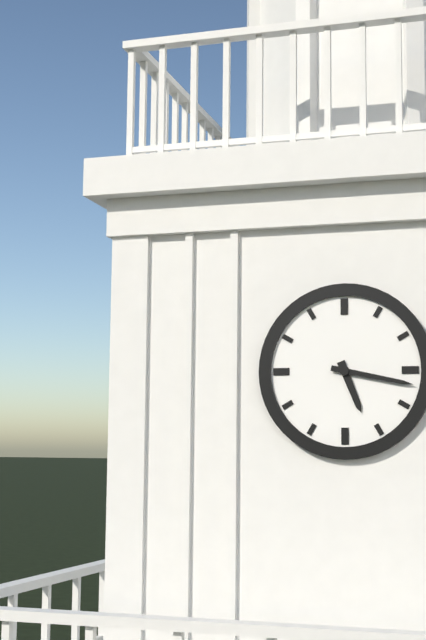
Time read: 5:17
